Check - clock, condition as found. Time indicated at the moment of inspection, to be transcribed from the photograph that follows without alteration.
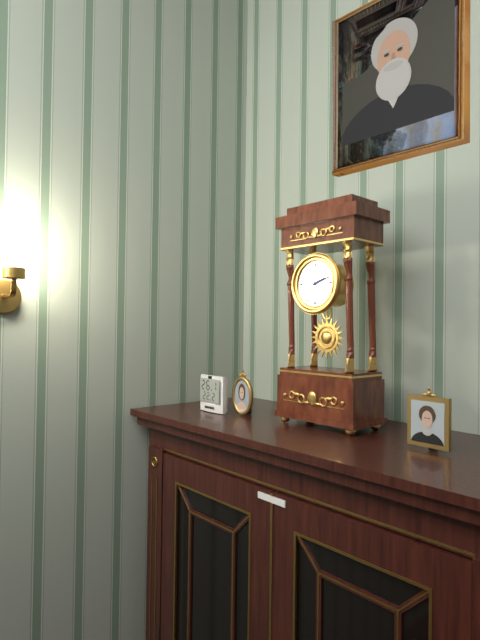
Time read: 2:12
